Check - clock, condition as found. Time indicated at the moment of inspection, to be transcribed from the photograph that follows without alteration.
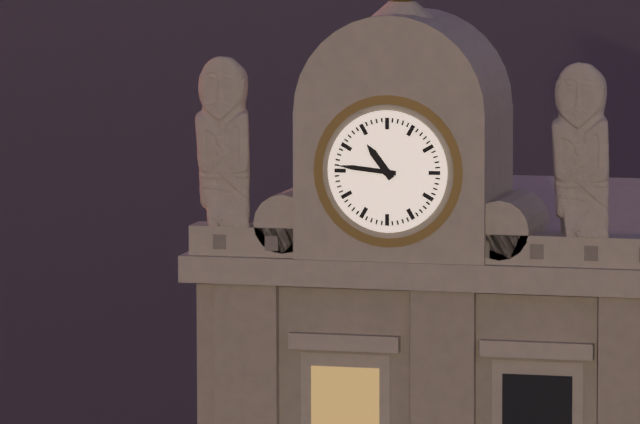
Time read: 10:46
